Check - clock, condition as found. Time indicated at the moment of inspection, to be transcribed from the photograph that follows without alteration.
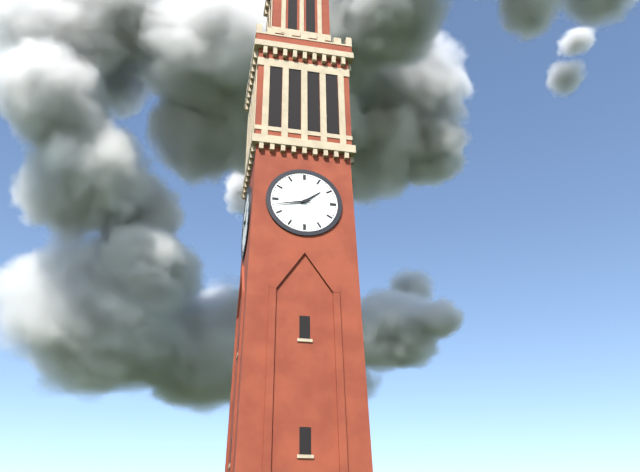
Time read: 1:43
